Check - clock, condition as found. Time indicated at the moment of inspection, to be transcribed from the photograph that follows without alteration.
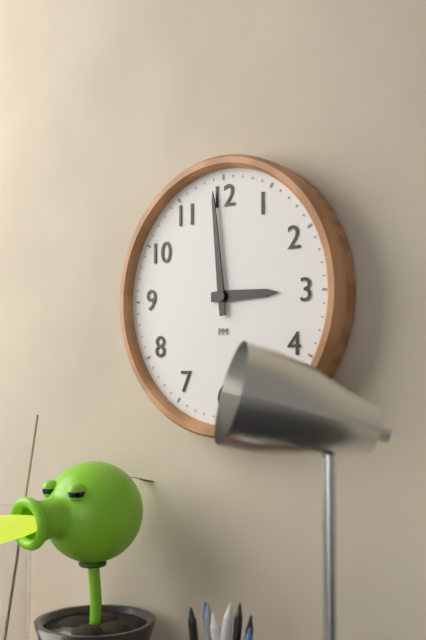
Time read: 2:59
